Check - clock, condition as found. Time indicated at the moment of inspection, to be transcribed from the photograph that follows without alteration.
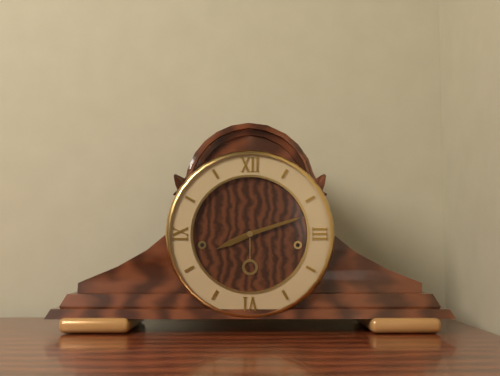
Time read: 8:12
